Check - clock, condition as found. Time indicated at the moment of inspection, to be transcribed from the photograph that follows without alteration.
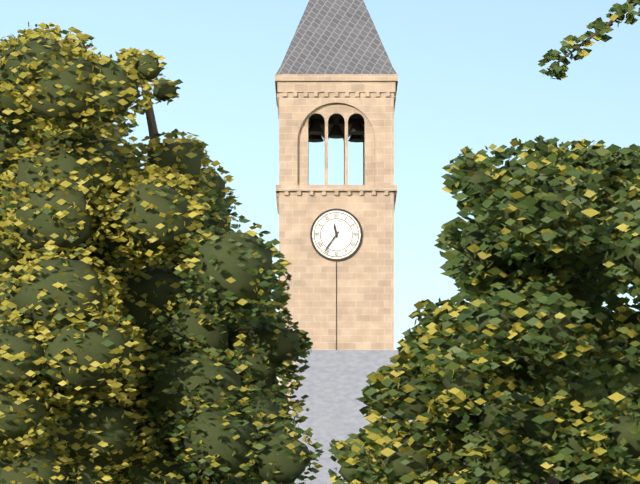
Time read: 11:36
